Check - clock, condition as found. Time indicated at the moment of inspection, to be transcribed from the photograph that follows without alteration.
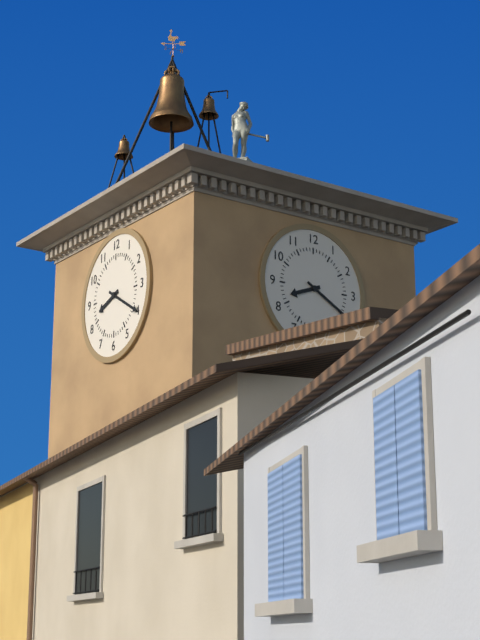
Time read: 8:20
